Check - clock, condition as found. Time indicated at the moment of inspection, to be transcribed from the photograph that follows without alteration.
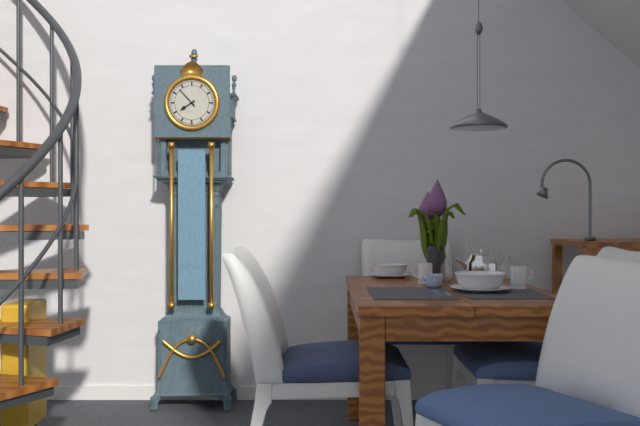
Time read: 7:53
